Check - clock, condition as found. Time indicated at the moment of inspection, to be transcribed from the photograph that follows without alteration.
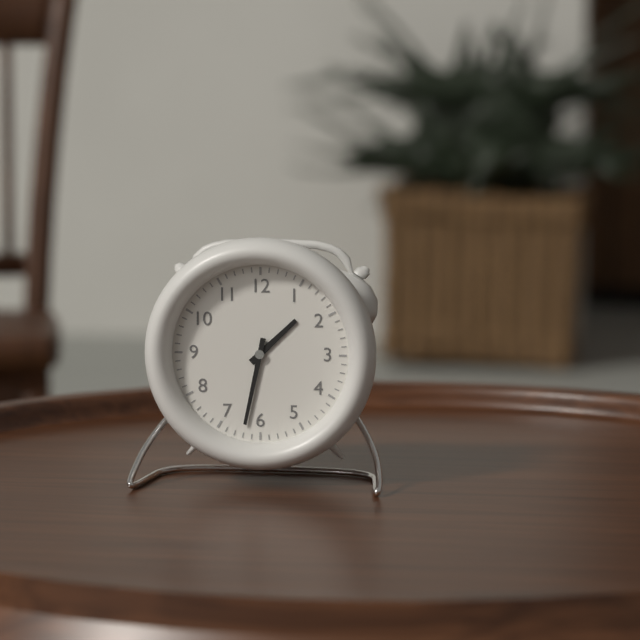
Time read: 1:32
